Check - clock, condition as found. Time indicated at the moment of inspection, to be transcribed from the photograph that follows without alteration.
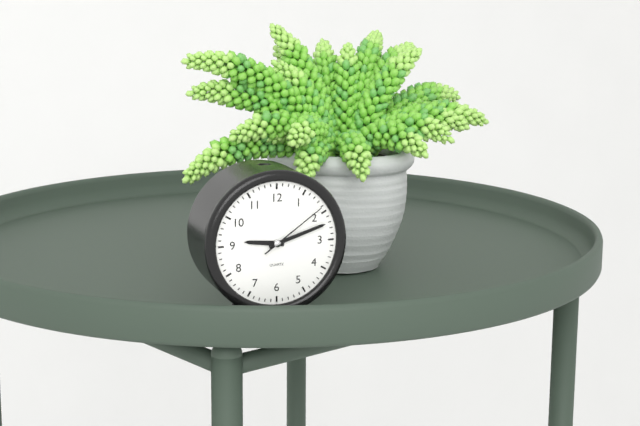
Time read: 9:12:09
